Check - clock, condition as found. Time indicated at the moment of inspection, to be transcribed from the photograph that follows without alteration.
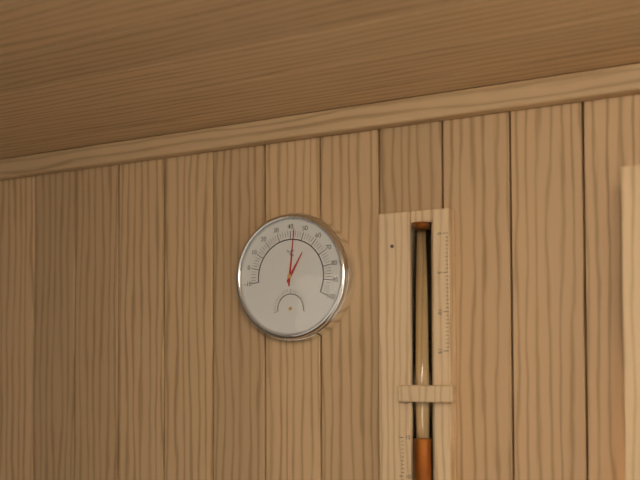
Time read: 1:01
